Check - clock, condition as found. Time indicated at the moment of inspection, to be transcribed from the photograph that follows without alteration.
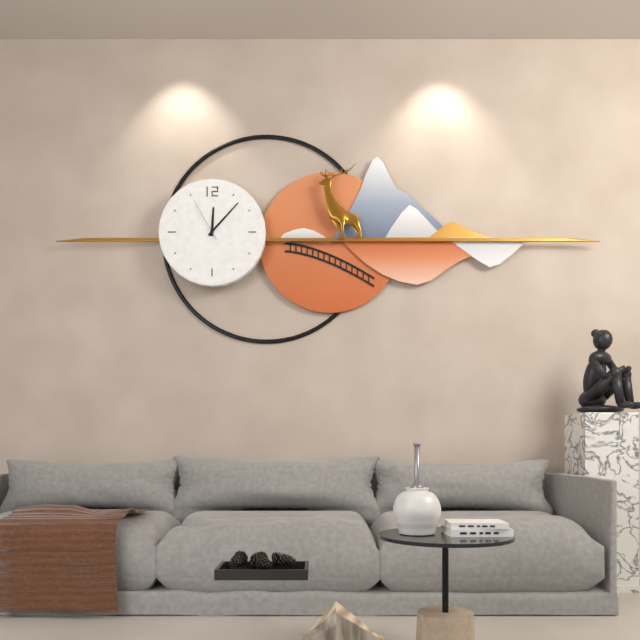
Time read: 12:07
